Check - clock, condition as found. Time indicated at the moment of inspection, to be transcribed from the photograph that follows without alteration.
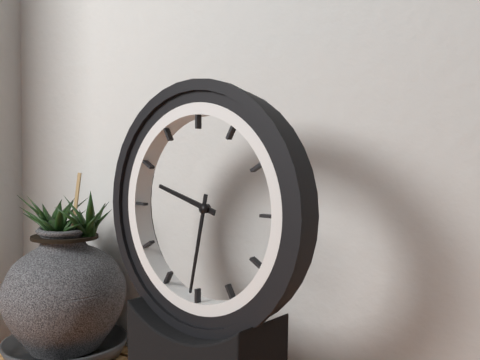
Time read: 9:32
